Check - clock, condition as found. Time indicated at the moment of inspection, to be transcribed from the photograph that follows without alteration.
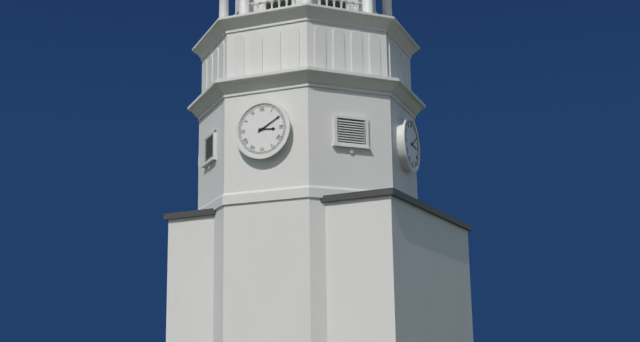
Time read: 3:10
